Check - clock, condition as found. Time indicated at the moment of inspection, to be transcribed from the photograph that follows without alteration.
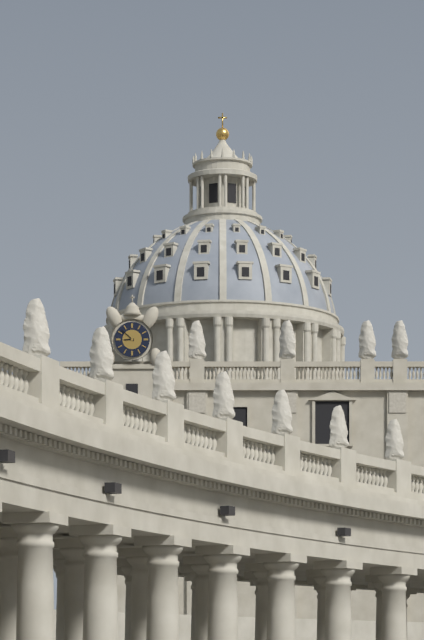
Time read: 8:52
